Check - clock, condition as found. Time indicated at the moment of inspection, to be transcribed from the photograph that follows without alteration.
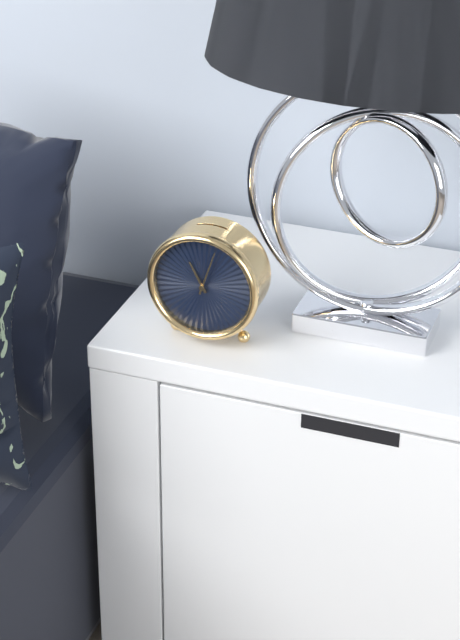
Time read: 11:03
